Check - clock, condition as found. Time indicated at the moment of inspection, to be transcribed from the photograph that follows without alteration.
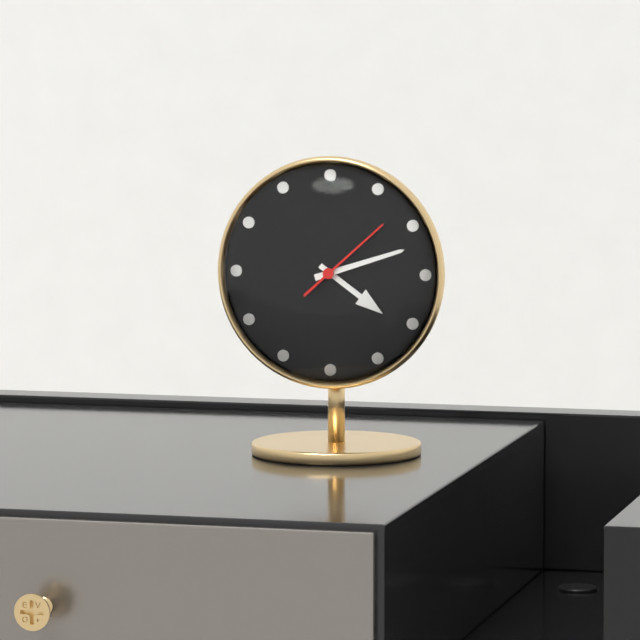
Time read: 4:12:08
